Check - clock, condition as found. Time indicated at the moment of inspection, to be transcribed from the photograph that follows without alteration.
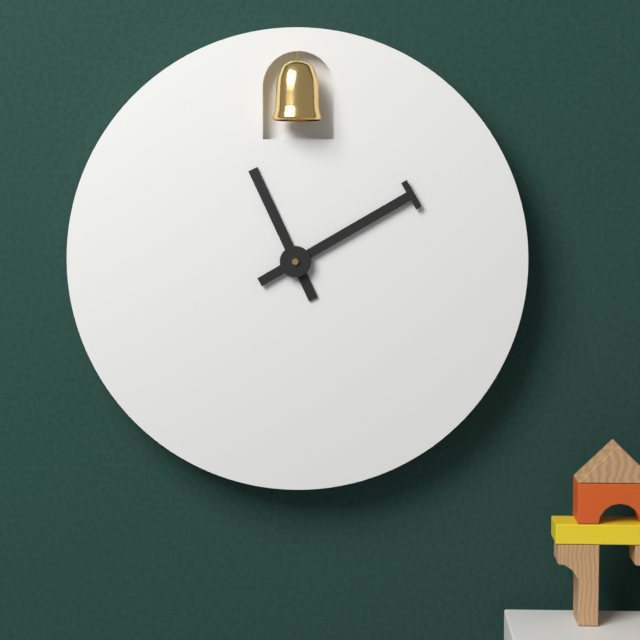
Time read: 11:10
